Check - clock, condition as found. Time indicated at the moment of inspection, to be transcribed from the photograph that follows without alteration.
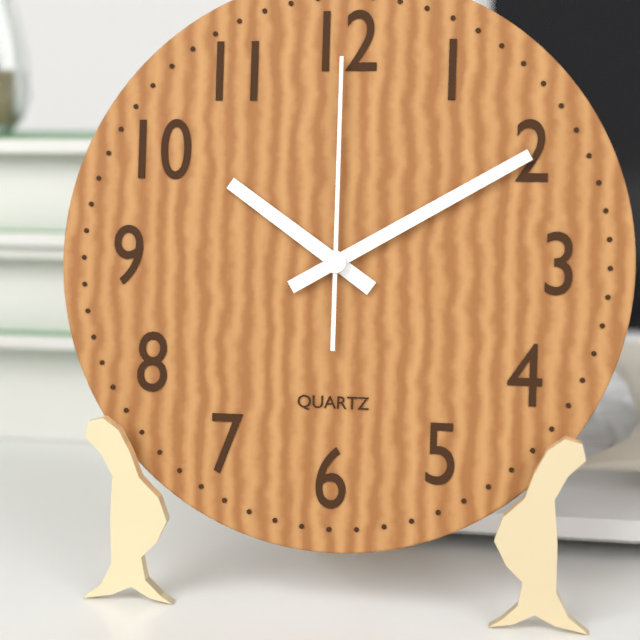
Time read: 10:10:00
